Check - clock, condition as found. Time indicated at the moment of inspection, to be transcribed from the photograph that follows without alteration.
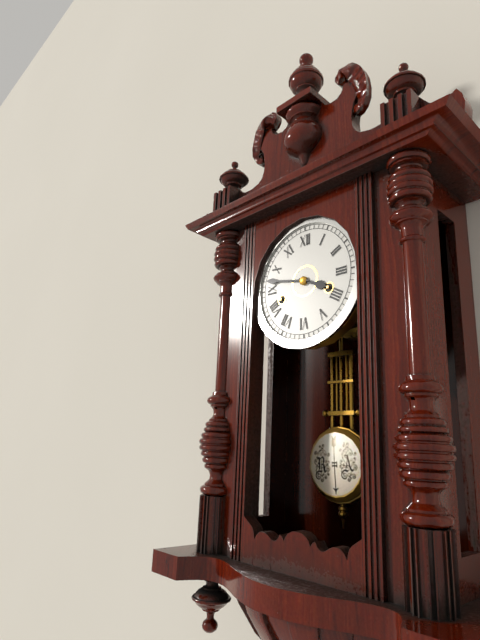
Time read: 3:47
